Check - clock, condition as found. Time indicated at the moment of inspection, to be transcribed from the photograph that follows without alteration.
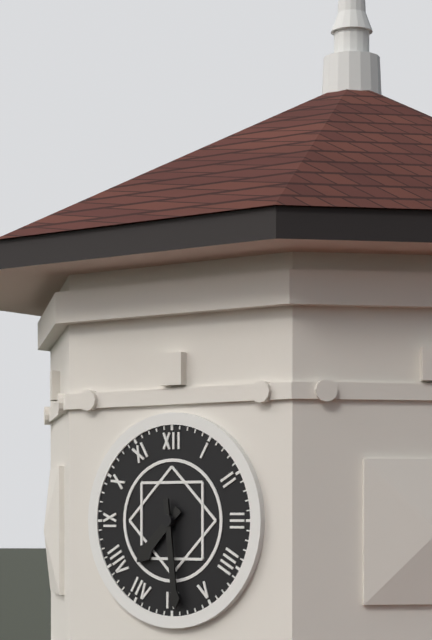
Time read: 7:29
